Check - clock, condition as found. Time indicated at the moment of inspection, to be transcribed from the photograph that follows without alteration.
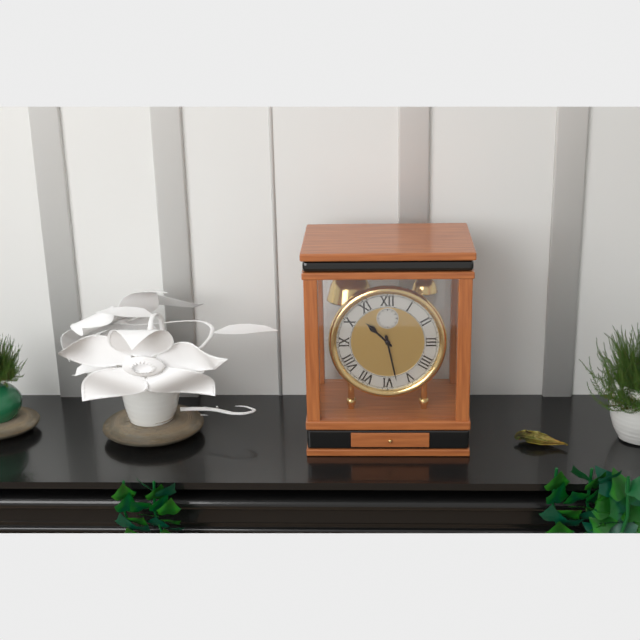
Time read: 10:28
